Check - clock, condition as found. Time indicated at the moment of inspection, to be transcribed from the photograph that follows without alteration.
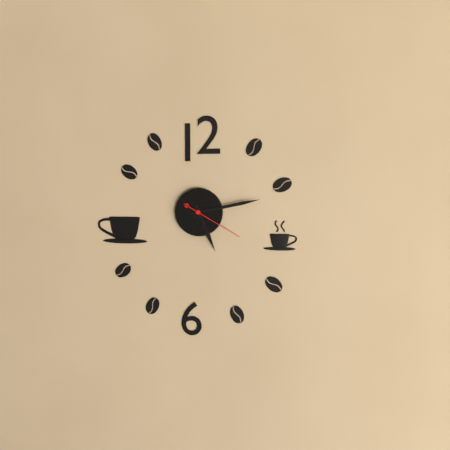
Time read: 5:13:20
